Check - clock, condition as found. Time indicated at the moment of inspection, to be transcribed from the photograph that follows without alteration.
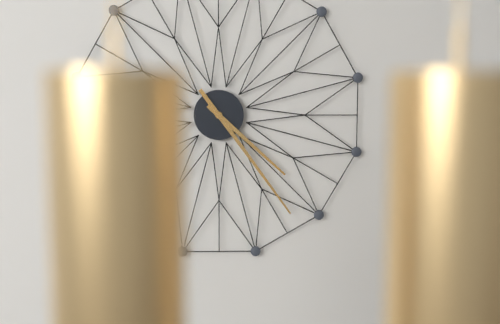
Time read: 4:24
